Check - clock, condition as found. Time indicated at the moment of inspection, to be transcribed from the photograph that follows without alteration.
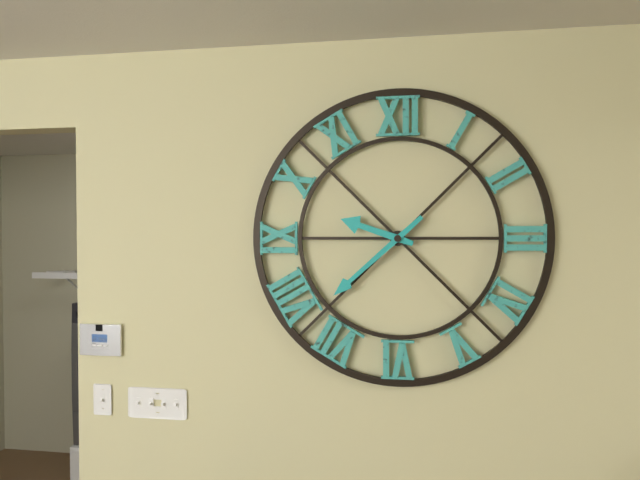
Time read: 9:38
